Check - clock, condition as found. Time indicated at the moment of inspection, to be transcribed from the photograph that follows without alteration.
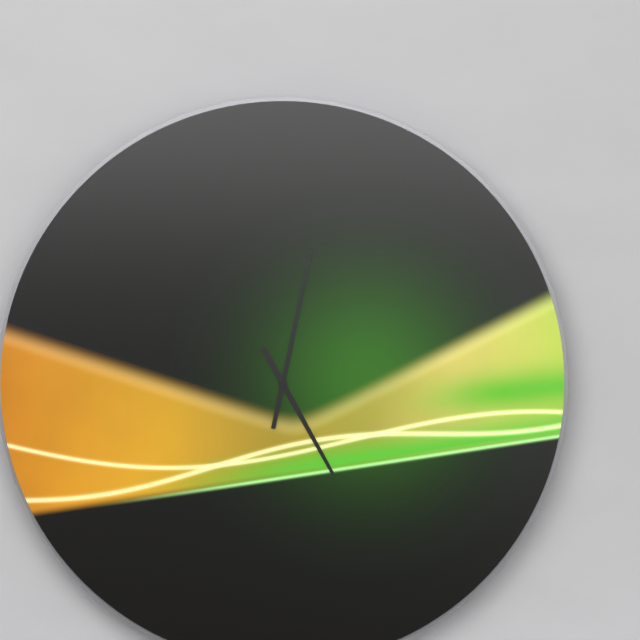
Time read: 5:02
